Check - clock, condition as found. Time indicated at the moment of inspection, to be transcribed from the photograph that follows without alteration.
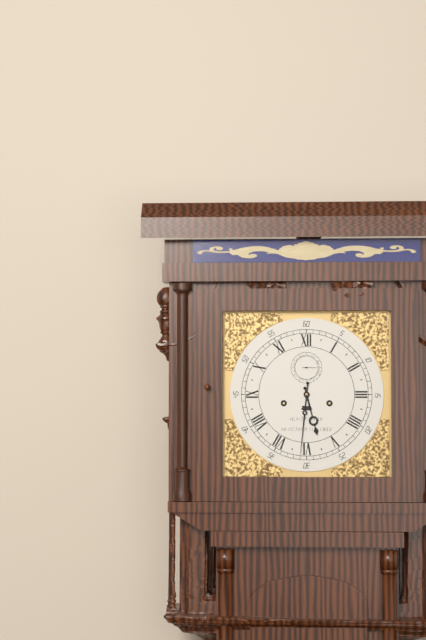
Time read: 5:31
